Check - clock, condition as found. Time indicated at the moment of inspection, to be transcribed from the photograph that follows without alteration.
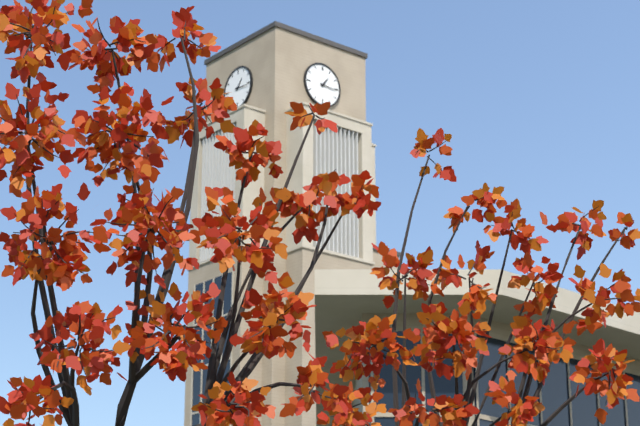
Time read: 1:16
